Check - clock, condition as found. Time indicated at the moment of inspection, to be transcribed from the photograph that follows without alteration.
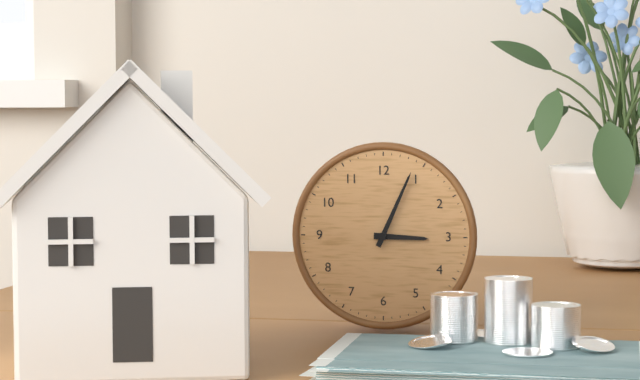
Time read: 3:04
